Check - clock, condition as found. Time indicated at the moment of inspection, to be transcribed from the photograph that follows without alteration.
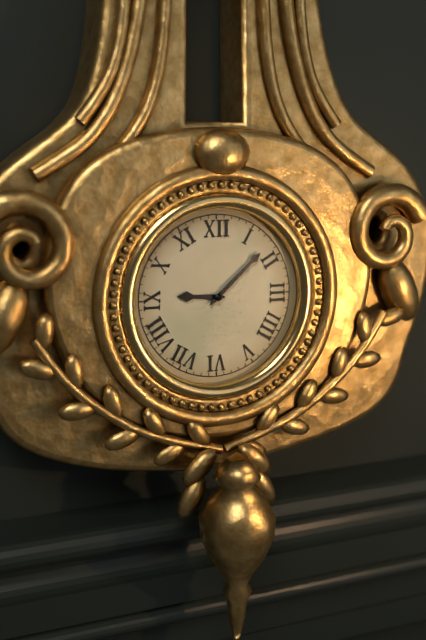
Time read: 9:08
